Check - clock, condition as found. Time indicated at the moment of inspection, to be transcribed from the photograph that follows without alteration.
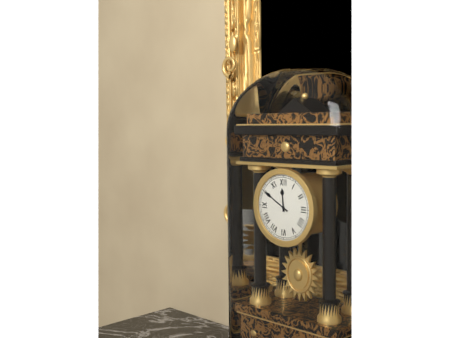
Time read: 11:50
